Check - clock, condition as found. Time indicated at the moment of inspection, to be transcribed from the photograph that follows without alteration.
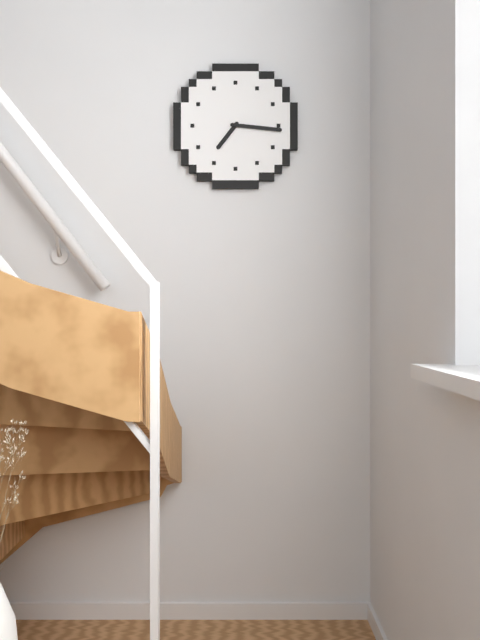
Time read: 7:16
